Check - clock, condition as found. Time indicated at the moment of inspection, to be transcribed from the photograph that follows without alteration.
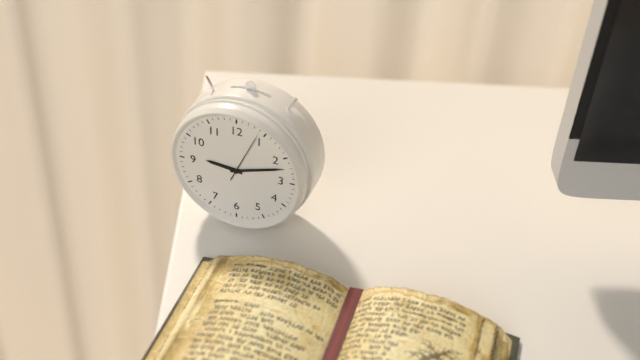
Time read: 9:12:04
